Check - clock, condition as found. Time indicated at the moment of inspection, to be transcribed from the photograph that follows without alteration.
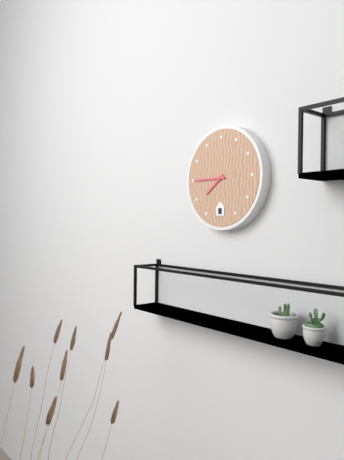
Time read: 7:45
